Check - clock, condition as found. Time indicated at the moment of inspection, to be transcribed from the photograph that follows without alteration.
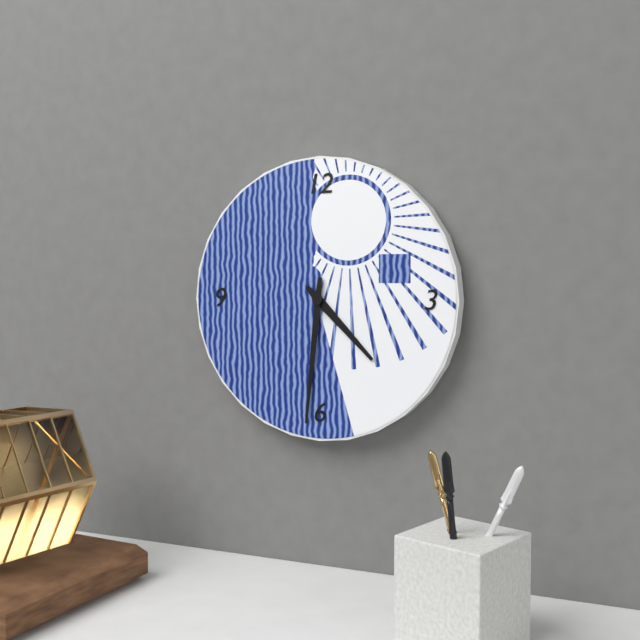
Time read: 4:31
